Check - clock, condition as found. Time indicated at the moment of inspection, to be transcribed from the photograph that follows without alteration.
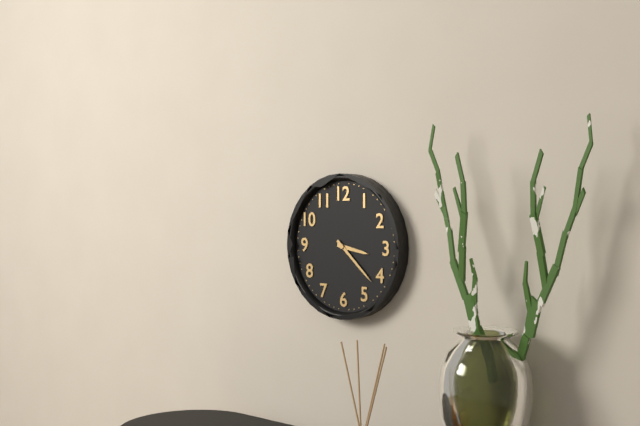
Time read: 3:22
